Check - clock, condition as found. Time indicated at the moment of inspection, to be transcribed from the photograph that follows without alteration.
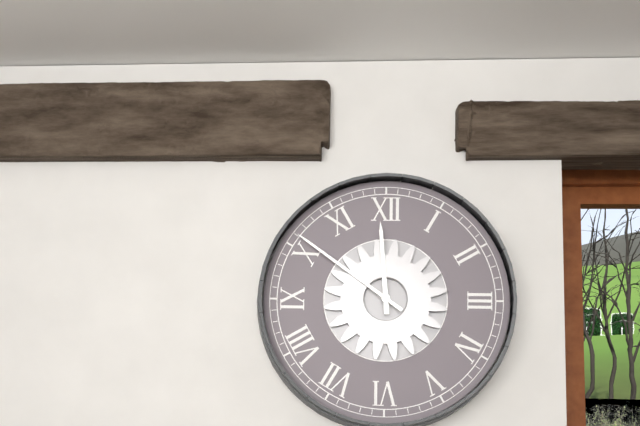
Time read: 11:51
